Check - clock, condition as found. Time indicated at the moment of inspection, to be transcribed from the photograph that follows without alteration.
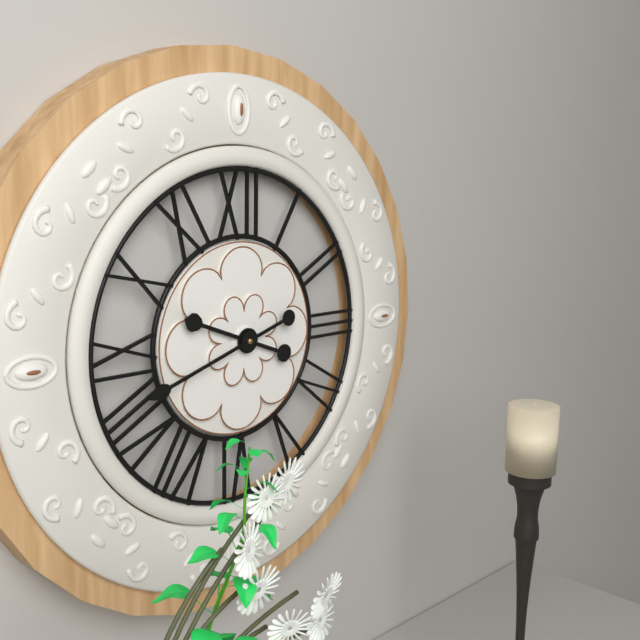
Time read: 9:42
